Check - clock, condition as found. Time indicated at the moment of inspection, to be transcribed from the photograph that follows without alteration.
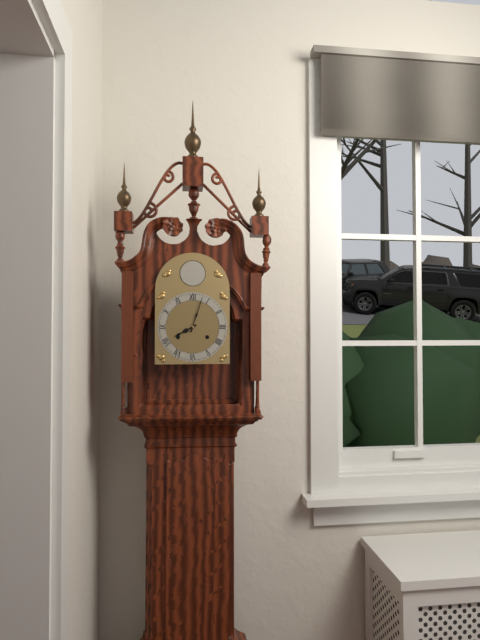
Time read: 8:03
